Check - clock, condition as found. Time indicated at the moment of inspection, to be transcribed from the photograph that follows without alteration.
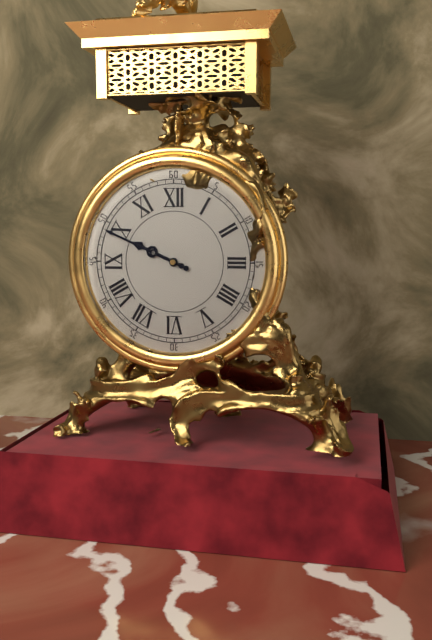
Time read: 9:49
